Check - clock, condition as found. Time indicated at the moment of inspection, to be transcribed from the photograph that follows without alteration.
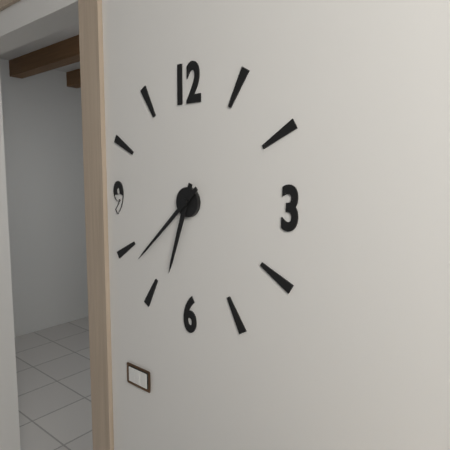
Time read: 6:38
